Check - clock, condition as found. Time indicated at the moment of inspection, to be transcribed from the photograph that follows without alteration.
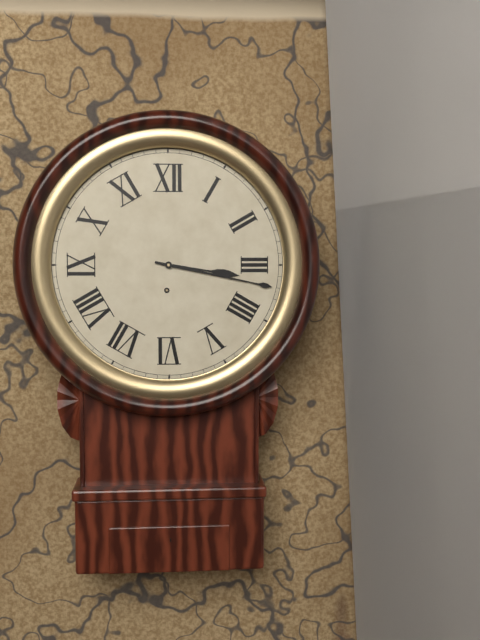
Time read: 3:17
